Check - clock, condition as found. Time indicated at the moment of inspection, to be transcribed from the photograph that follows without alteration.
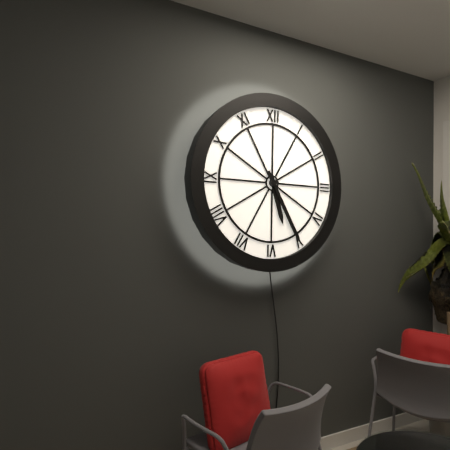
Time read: 5:25
